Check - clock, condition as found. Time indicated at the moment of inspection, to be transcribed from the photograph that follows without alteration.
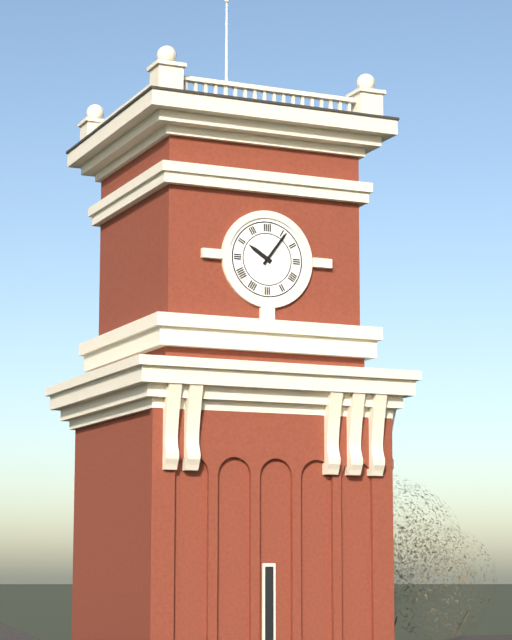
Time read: 10:06
